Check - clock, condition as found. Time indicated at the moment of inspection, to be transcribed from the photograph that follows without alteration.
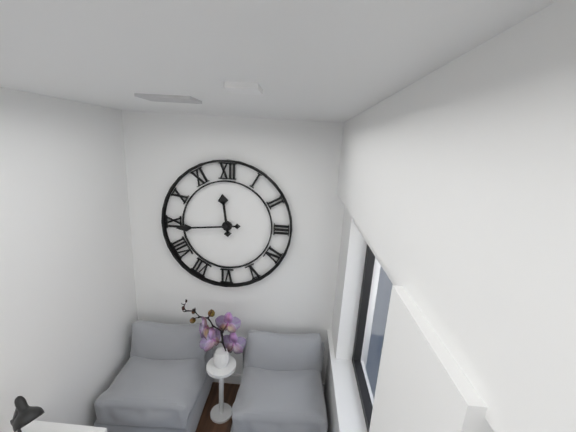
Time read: 11:44
